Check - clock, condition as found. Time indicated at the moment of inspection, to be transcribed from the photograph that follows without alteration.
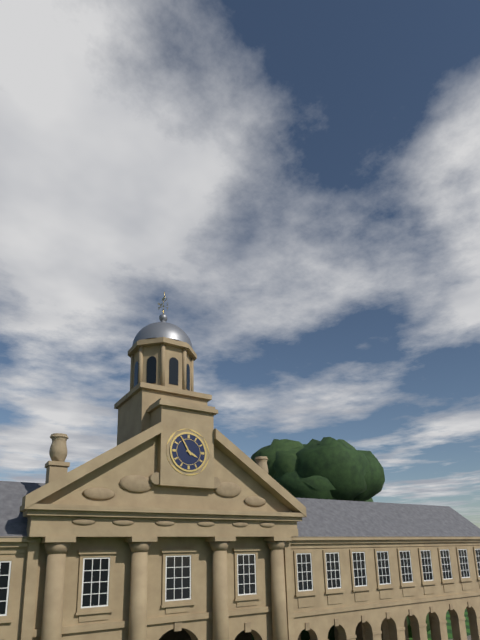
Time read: 3:55
